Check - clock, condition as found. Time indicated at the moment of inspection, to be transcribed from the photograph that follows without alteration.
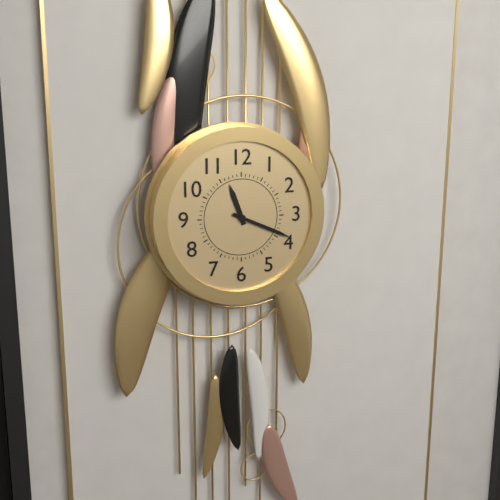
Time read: 11:19
